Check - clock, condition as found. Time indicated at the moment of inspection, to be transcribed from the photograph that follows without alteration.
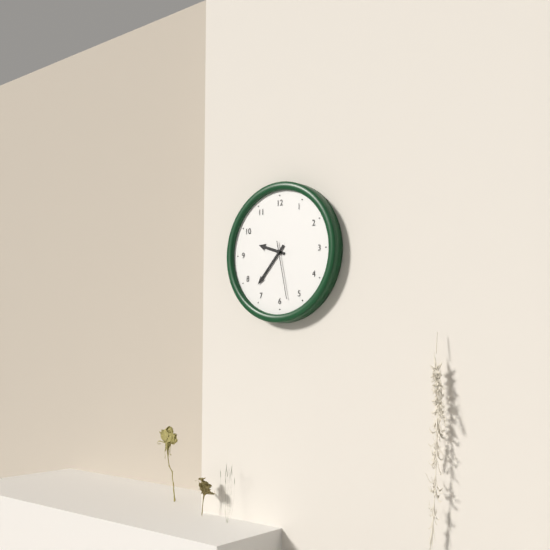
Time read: 9:37:28
